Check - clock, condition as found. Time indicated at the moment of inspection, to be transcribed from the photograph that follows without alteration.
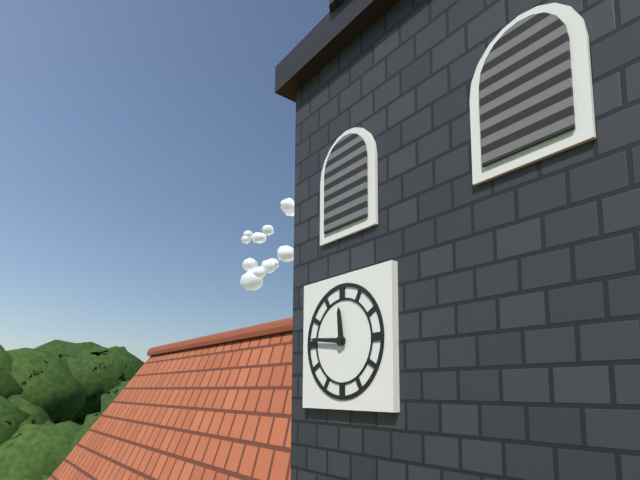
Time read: 11:46
